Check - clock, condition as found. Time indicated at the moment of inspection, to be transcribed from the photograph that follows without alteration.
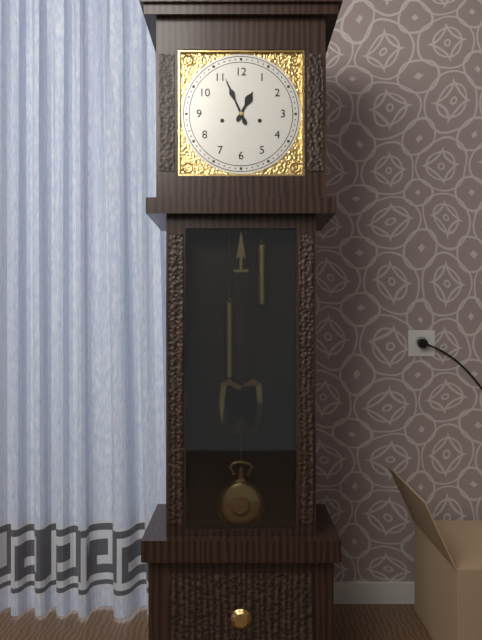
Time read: 12:56
